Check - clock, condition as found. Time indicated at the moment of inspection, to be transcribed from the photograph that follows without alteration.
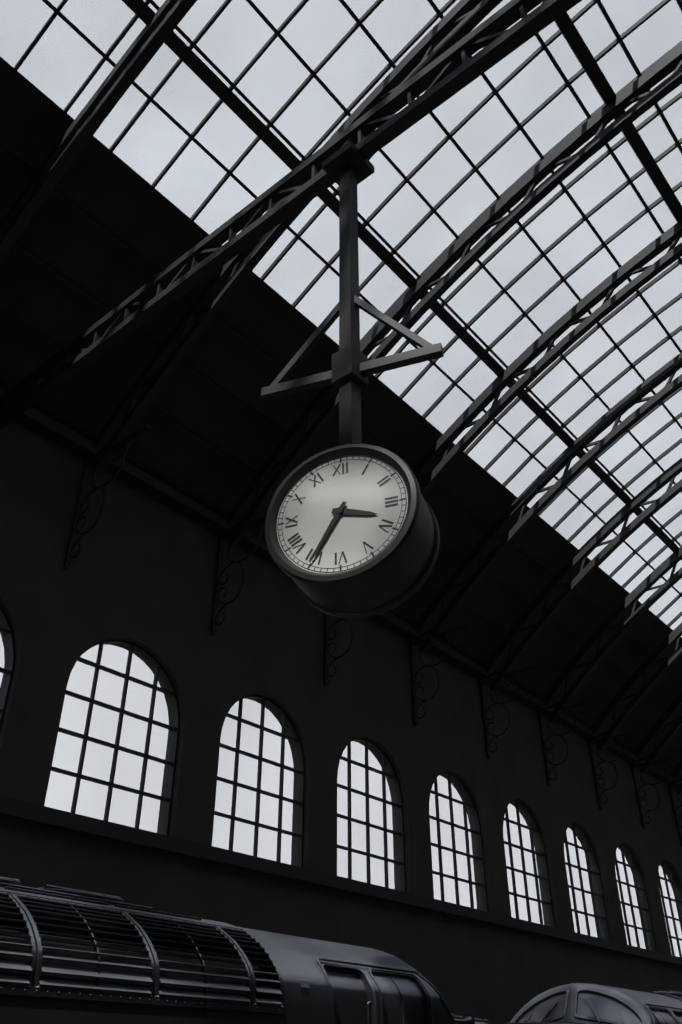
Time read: 3:35
